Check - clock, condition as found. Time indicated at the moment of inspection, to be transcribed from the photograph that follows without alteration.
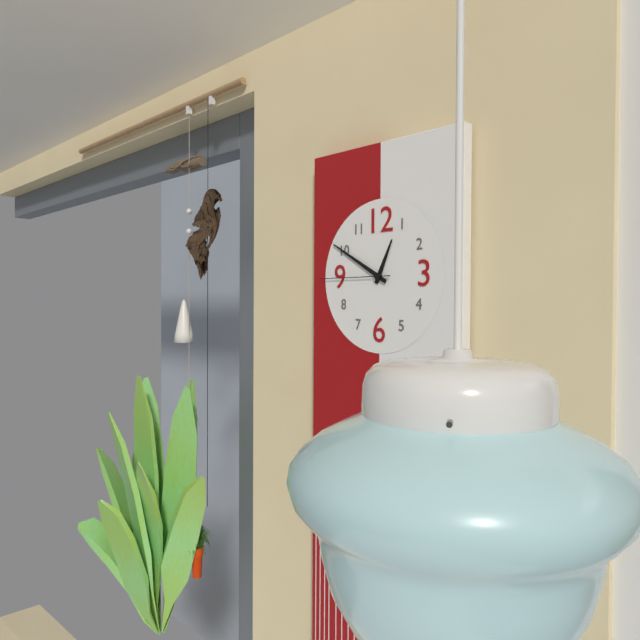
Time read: 12:50:45
